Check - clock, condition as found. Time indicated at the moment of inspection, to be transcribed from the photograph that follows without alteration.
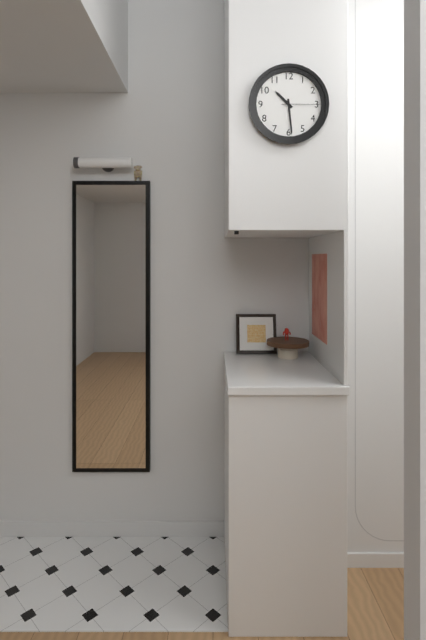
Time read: 10:29
